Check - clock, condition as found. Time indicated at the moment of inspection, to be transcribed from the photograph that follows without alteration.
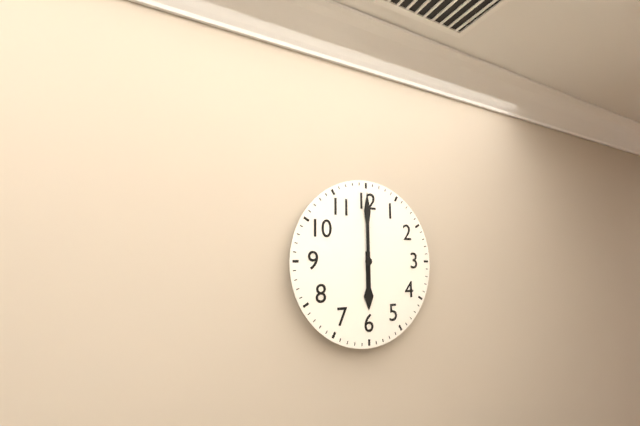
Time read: 6:00
